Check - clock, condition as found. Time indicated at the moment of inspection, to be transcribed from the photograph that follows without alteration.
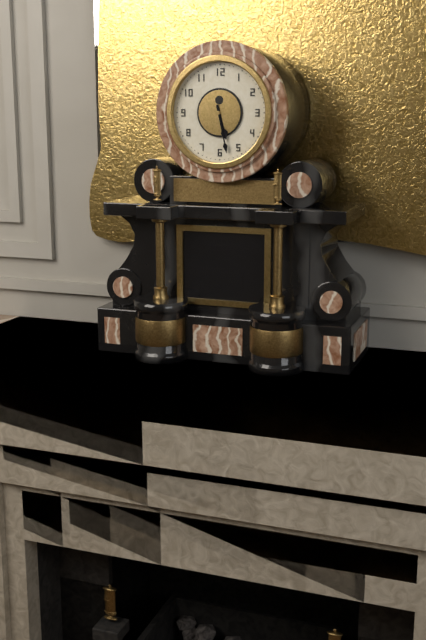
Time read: 5:28
